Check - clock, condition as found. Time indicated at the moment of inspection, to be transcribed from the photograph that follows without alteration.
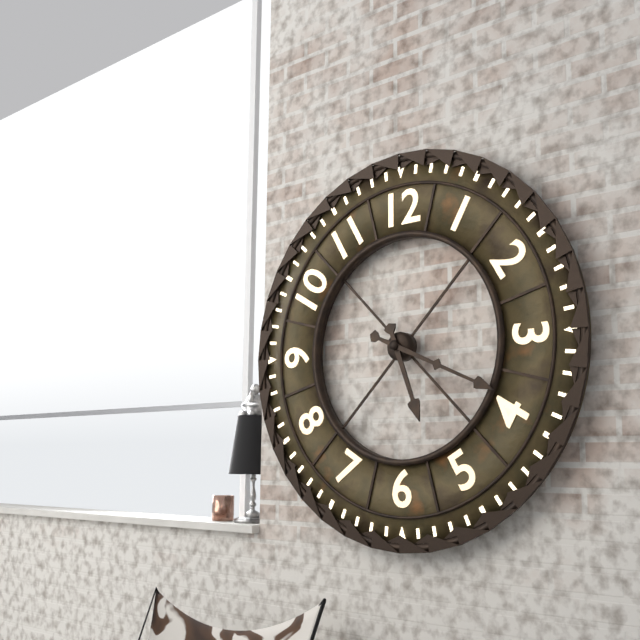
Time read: 5:19
